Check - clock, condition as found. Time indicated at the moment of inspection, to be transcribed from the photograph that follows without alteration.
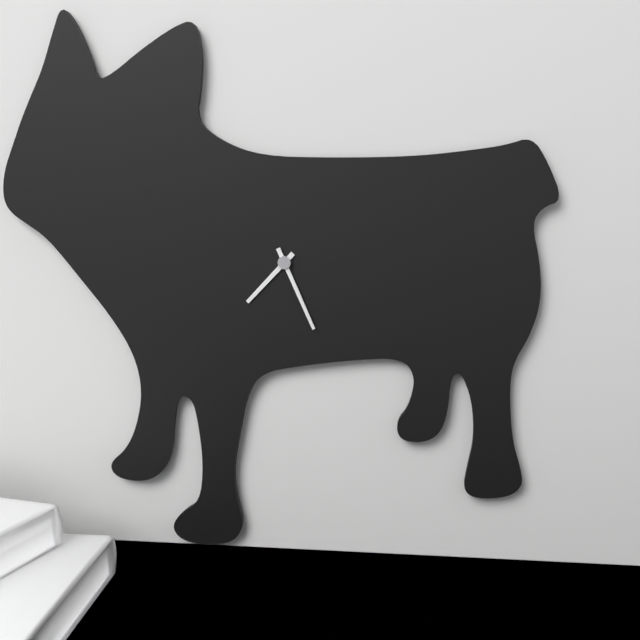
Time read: 7:26
